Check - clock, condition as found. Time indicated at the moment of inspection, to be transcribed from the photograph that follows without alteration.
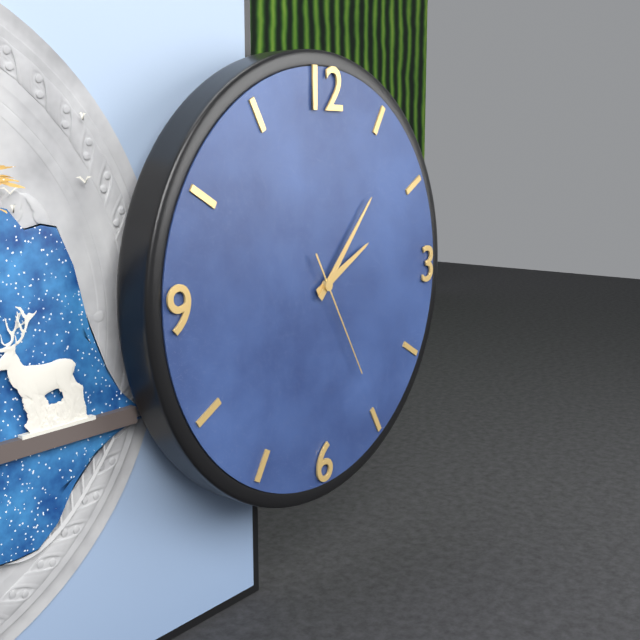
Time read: 2:07:25
